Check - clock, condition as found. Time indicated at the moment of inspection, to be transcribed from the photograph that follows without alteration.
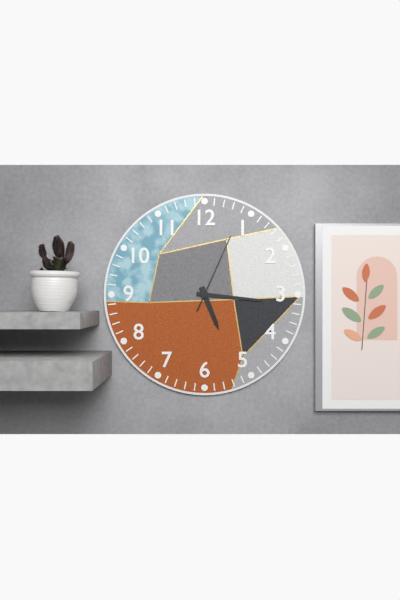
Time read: 5:16:04
